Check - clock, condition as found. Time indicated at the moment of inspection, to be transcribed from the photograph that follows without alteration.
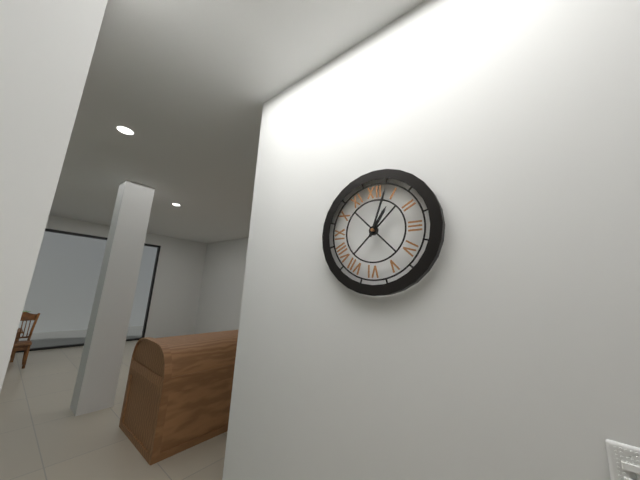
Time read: 1:03
